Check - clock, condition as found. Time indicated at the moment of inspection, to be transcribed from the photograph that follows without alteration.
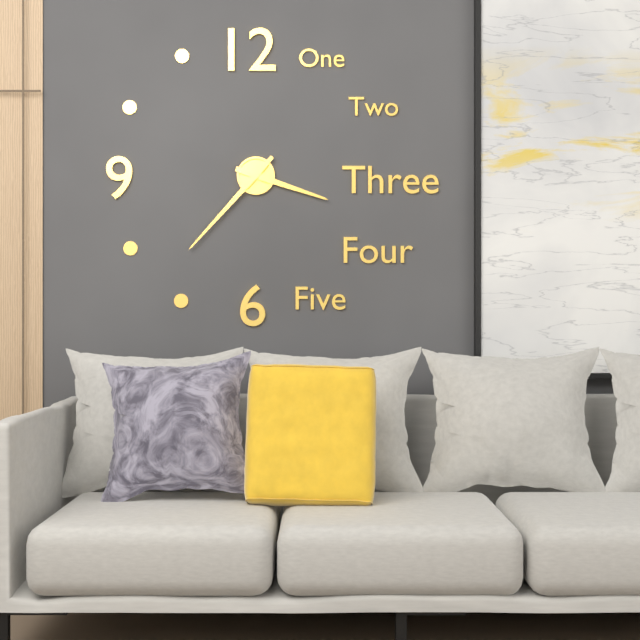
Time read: 3:37
